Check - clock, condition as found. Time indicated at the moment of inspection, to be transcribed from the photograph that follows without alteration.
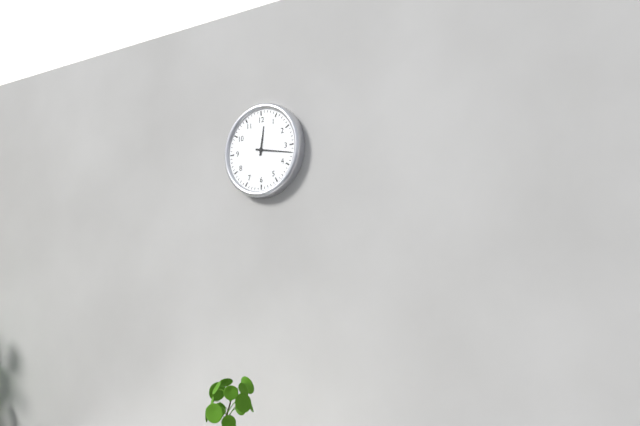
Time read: 12:17
